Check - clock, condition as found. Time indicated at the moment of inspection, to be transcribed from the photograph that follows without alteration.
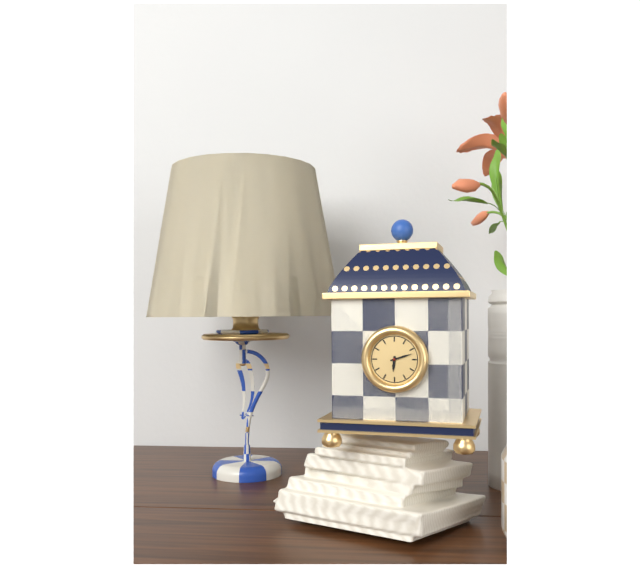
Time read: 6:12
